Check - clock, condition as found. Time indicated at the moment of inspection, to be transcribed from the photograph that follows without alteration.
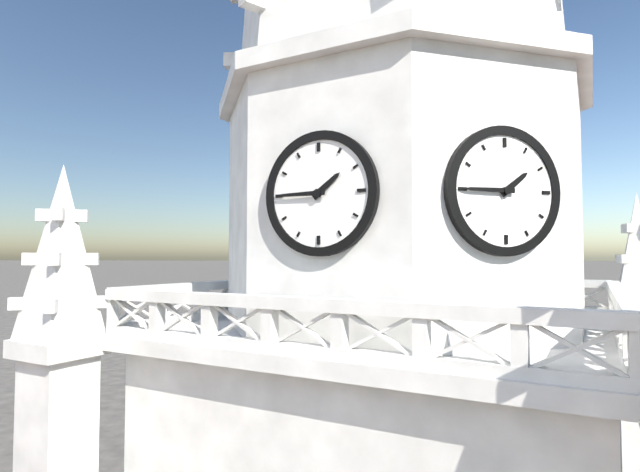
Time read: 1:45
